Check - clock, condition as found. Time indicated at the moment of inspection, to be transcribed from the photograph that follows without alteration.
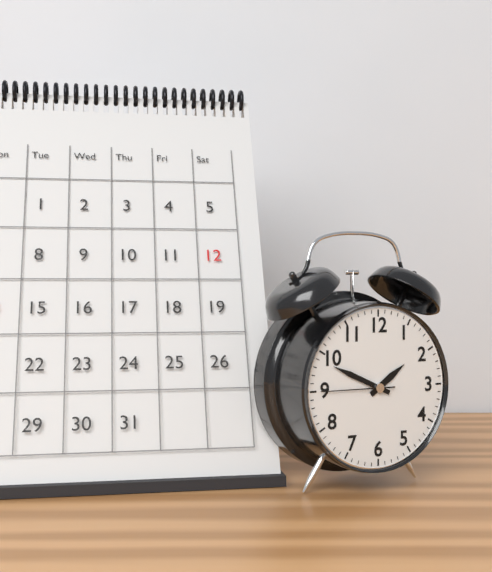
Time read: 1:49:45
